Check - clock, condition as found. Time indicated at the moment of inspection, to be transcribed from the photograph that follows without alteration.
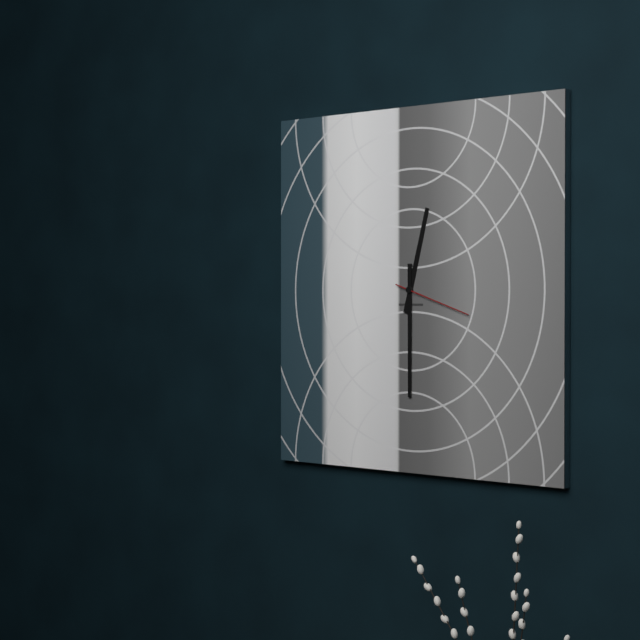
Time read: 12:30:18
